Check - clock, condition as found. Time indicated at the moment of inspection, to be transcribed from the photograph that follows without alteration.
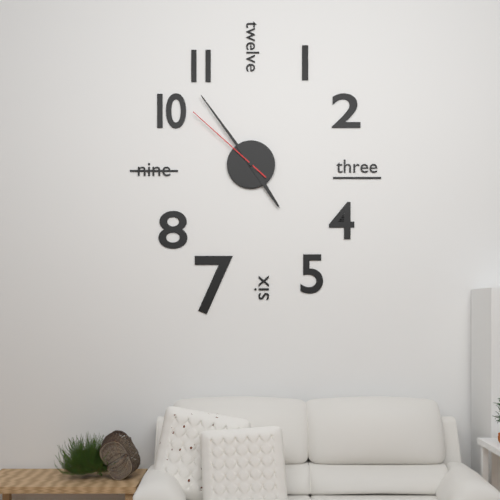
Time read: 4:54:52
